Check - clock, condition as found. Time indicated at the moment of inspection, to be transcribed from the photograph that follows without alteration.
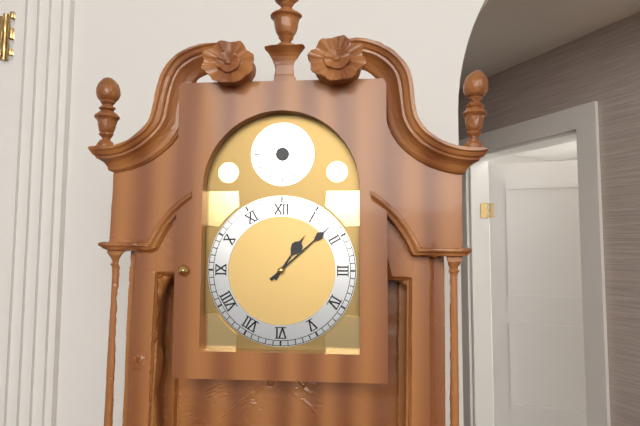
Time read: 1:08
